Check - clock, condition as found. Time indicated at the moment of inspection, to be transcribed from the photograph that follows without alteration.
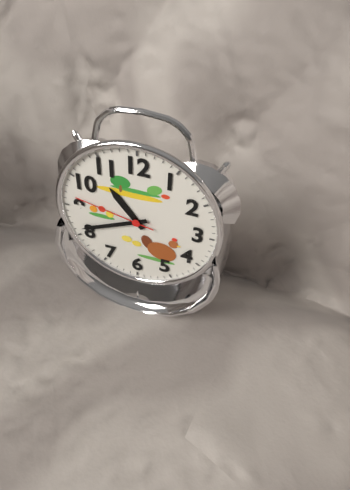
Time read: 10:41:47
